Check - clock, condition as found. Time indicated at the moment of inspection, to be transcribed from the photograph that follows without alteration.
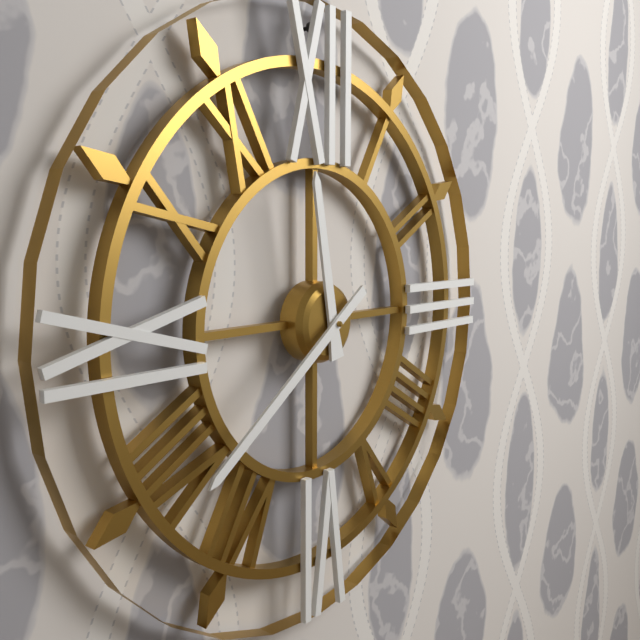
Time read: 11:39
